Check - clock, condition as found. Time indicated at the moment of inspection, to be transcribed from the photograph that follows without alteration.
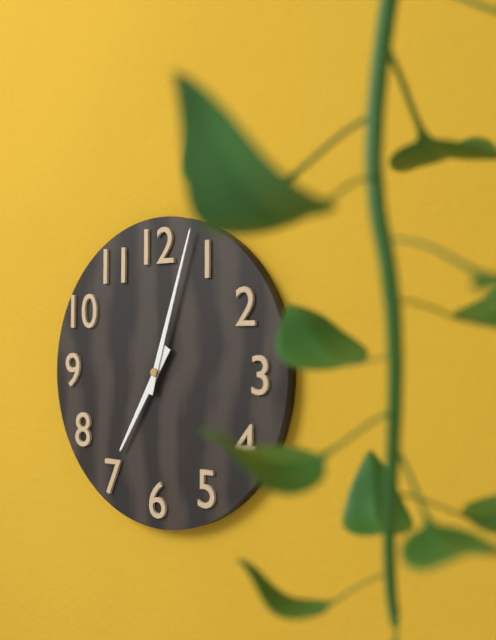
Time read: 7:03
